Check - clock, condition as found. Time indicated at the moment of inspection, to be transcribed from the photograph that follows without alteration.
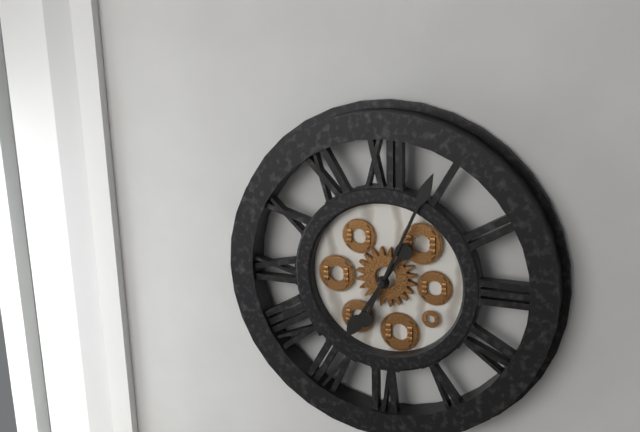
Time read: 7:04
